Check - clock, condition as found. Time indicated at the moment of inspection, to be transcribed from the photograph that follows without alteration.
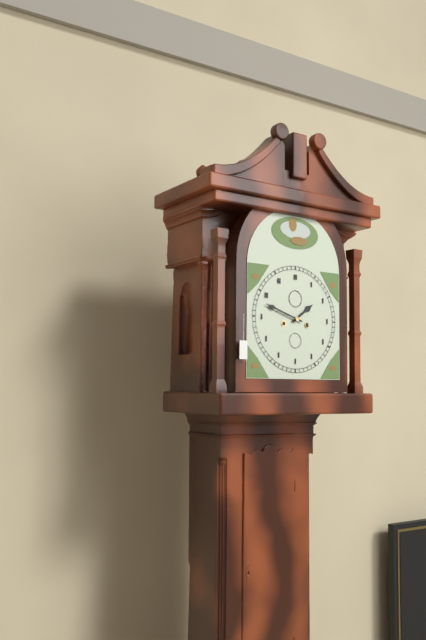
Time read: 1:48
